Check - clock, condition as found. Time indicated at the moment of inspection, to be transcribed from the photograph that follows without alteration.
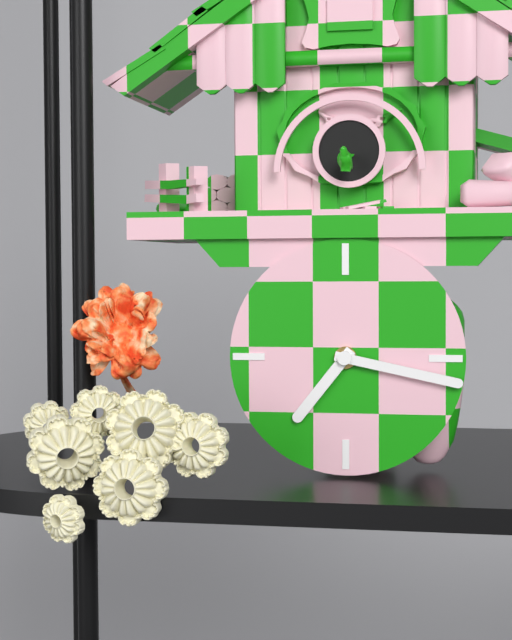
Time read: 7:17
